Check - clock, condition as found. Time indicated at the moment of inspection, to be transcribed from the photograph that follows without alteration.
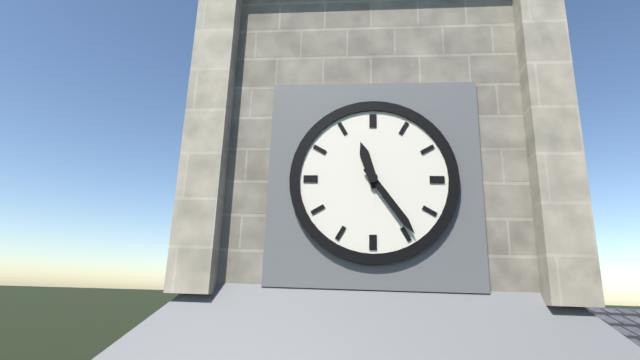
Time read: 11:24
